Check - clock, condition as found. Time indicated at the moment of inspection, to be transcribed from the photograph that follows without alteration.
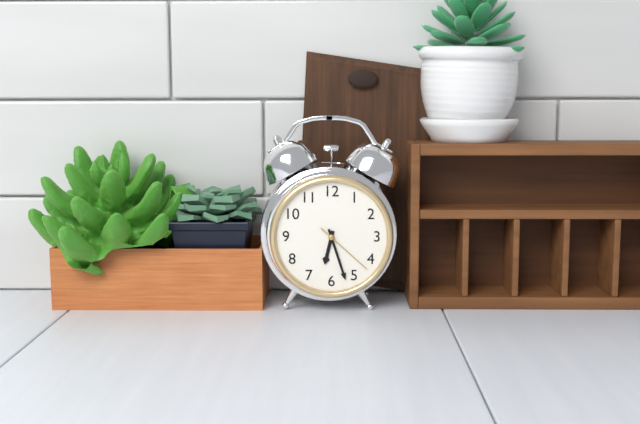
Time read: 6:27:22
